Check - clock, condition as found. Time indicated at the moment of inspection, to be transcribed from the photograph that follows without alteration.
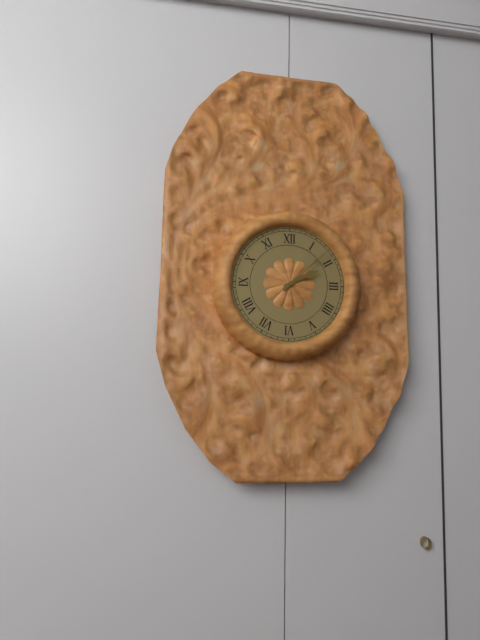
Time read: 2:08
